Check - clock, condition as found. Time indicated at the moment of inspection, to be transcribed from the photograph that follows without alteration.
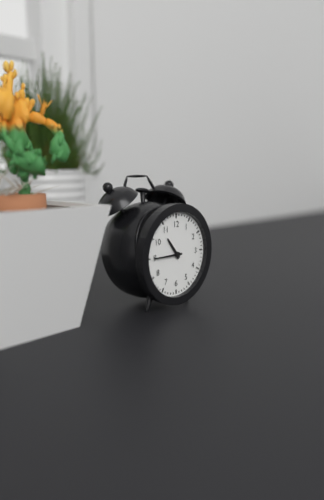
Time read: 10:45
